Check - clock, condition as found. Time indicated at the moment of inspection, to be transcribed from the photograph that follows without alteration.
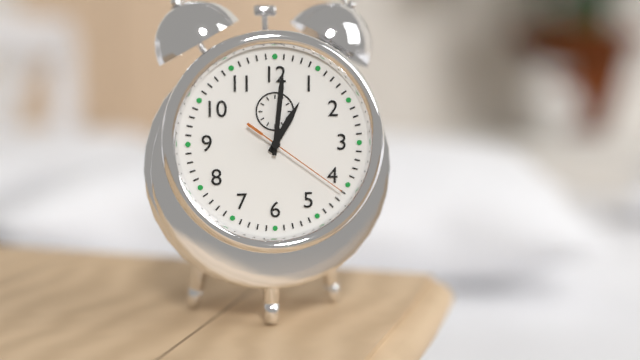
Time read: 1:01:21
